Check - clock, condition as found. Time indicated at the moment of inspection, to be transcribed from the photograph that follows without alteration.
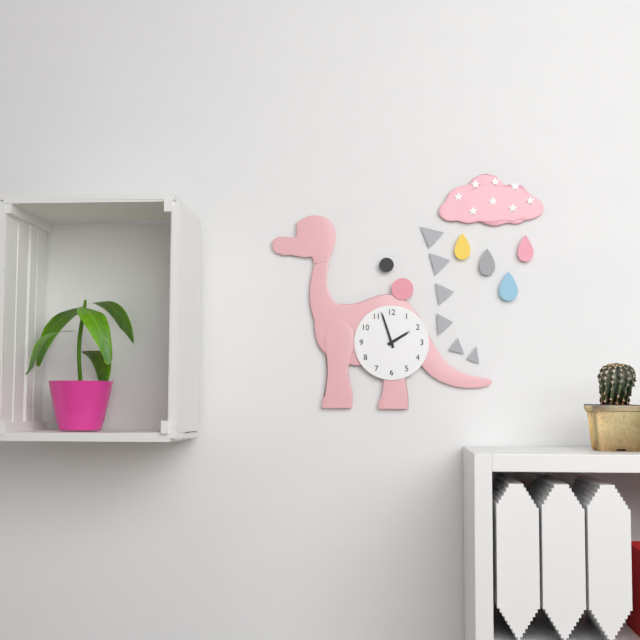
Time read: 1:57
